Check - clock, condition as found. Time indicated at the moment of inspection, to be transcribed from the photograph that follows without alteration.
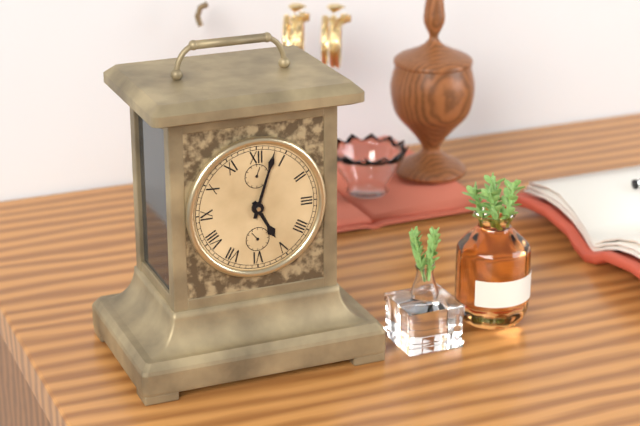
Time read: 5:03
